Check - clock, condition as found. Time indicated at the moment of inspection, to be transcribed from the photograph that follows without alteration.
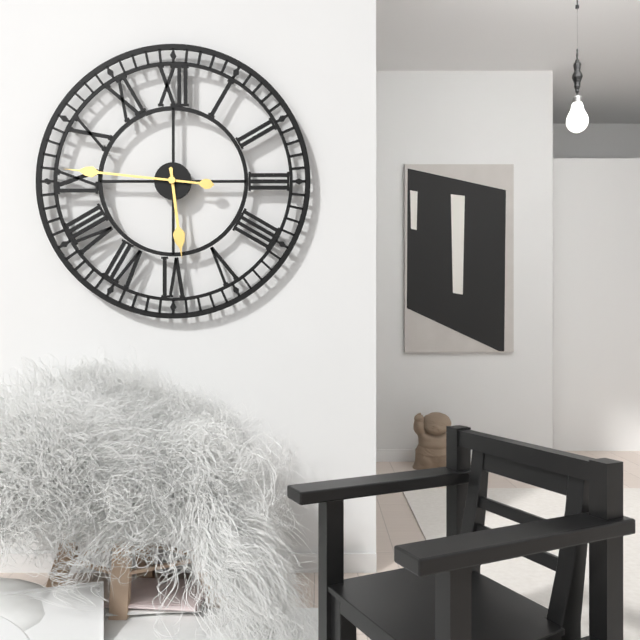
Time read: 5:46
